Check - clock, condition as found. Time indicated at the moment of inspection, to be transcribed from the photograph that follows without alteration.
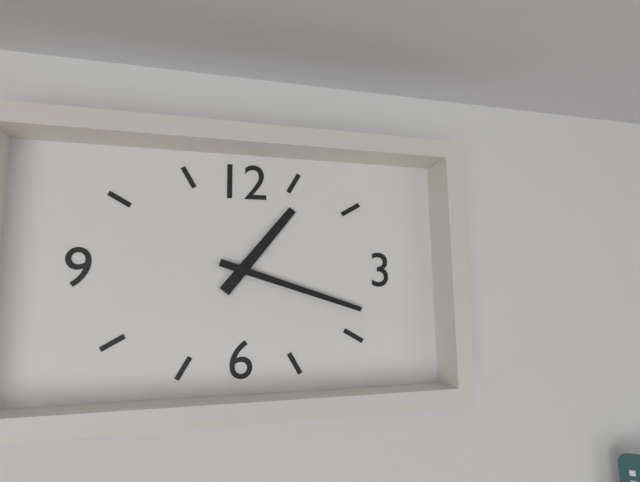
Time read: 1:18
